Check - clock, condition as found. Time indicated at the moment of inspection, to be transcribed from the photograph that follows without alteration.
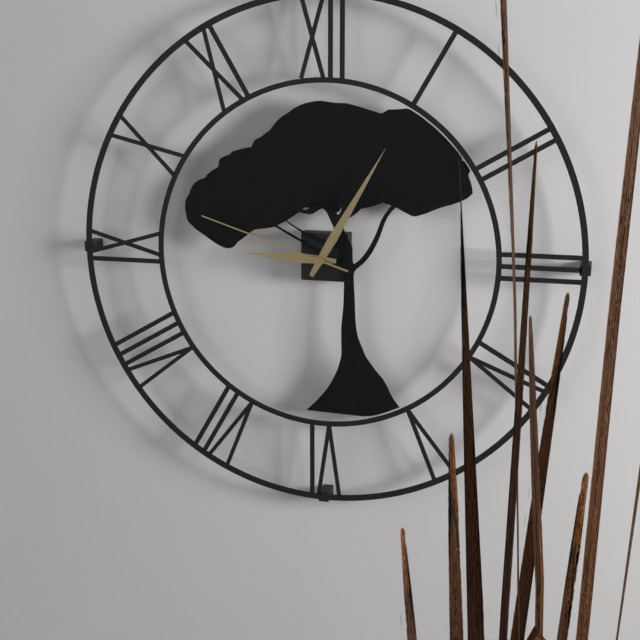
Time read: 9:05:48
